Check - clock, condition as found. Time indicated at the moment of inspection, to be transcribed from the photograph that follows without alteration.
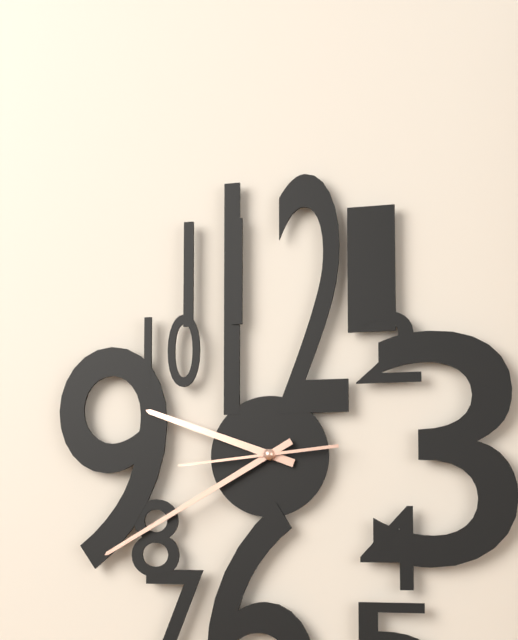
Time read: 9:40:44
